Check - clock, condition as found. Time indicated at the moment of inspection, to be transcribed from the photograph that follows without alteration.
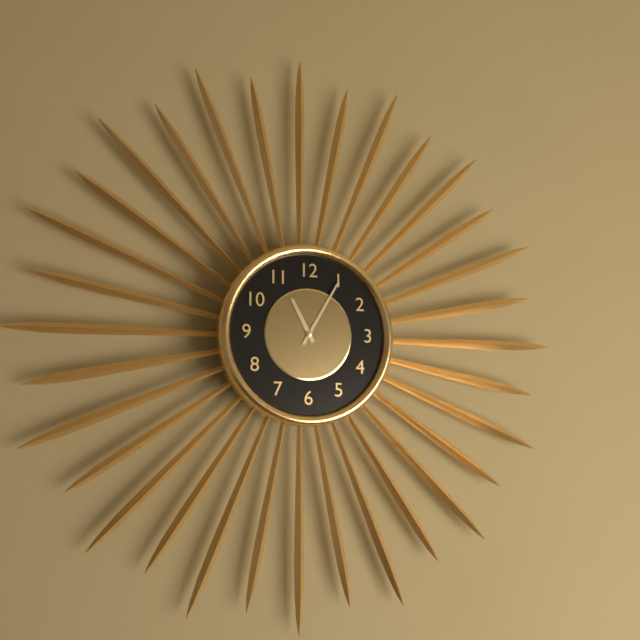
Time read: 11:05
